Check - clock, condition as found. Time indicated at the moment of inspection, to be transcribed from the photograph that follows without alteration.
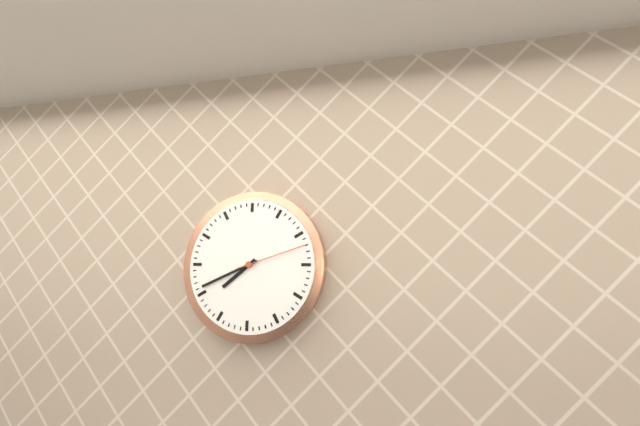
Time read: 7:41:12
